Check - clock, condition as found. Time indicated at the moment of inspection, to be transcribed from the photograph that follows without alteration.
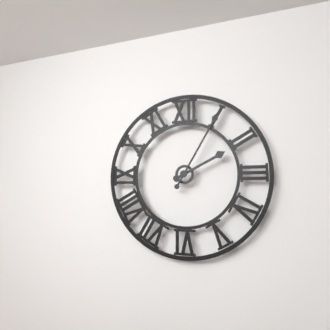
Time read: 2:05
